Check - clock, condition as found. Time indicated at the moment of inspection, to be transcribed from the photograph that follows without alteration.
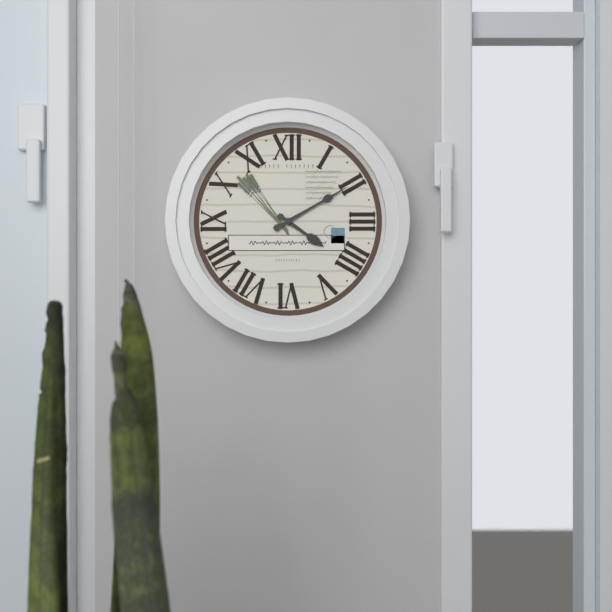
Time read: 4:10
